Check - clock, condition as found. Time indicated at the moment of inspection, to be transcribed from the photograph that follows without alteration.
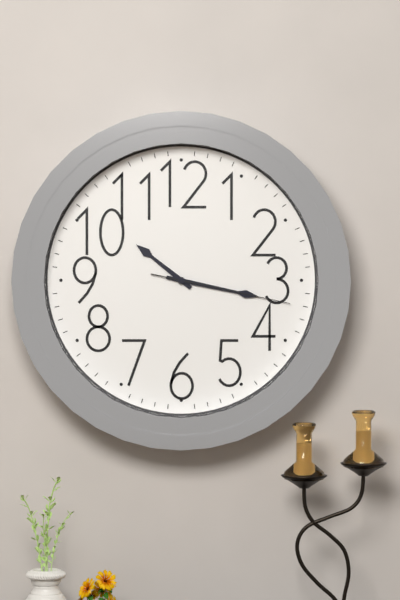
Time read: 10:17:17
